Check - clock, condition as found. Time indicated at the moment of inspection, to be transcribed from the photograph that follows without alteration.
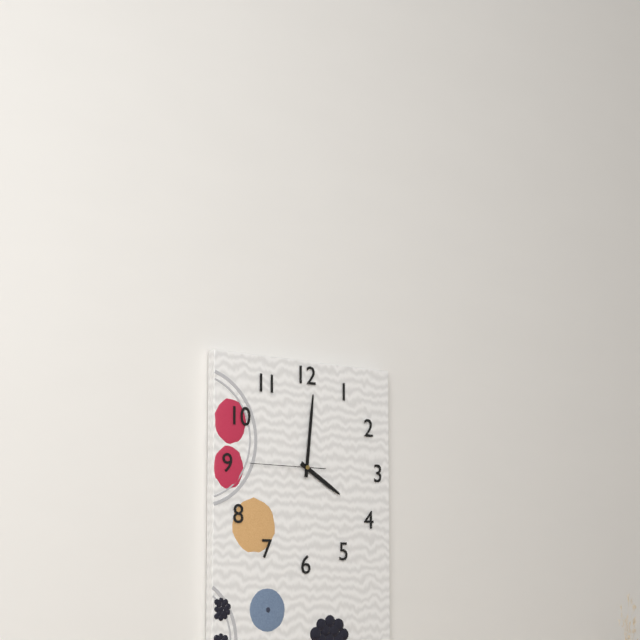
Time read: 4:01:45
